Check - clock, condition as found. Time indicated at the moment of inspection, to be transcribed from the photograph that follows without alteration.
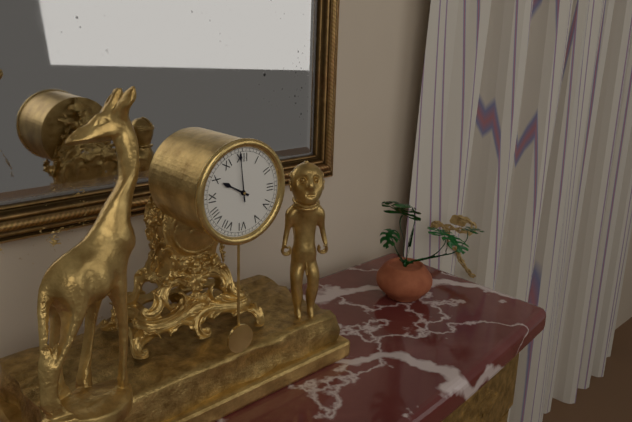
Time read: 9:59
